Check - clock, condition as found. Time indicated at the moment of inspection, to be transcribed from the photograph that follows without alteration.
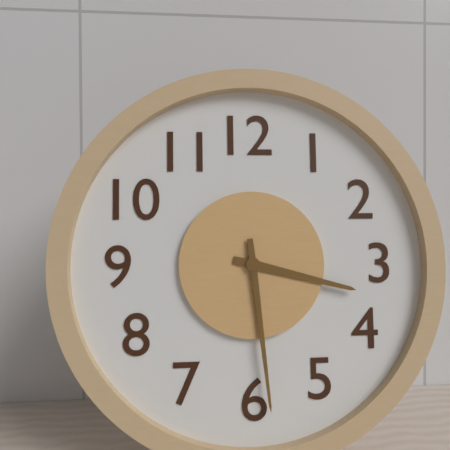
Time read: 3:29
